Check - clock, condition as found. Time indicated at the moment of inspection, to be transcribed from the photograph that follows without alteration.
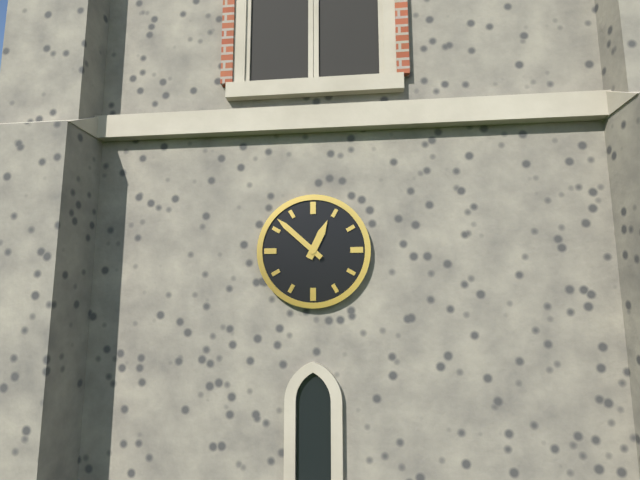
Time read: 12:52
